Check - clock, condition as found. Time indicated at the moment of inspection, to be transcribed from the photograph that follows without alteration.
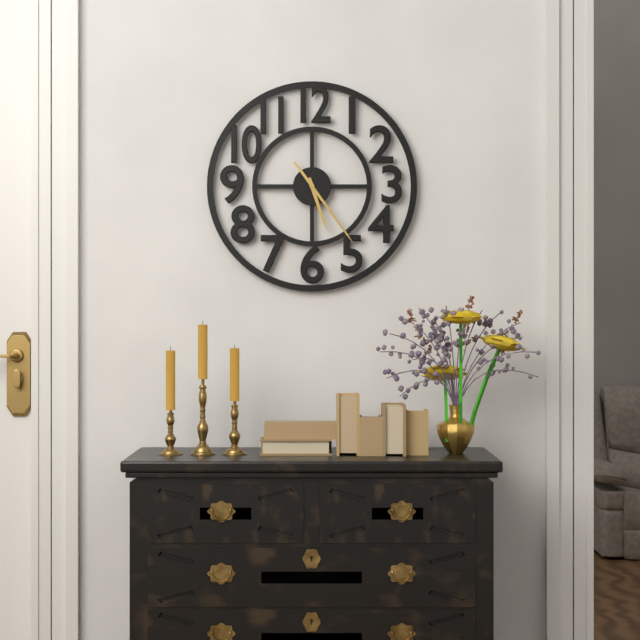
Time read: 5:24
